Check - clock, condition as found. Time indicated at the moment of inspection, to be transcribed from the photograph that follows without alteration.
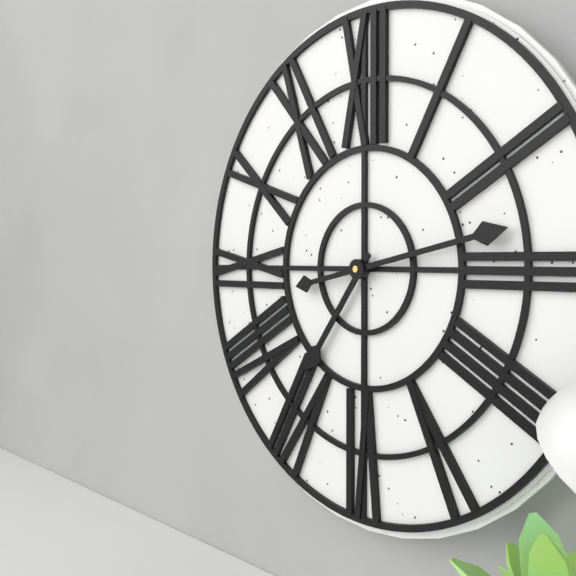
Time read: 7:13
